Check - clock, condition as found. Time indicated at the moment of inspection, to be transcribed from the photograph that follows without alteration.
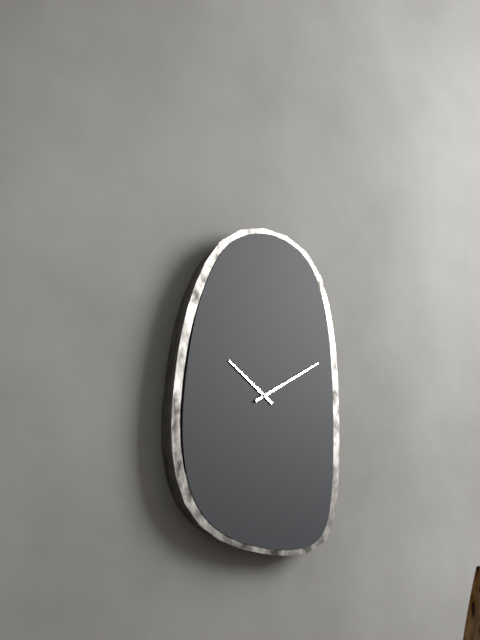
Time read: 10:10
